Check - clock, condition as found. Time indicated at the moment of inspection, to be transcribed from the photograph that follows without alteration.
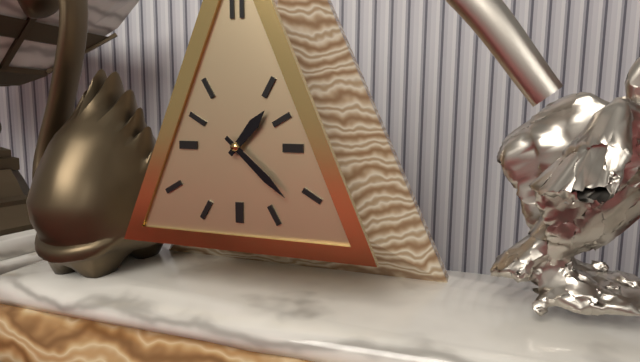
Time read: 1:22
